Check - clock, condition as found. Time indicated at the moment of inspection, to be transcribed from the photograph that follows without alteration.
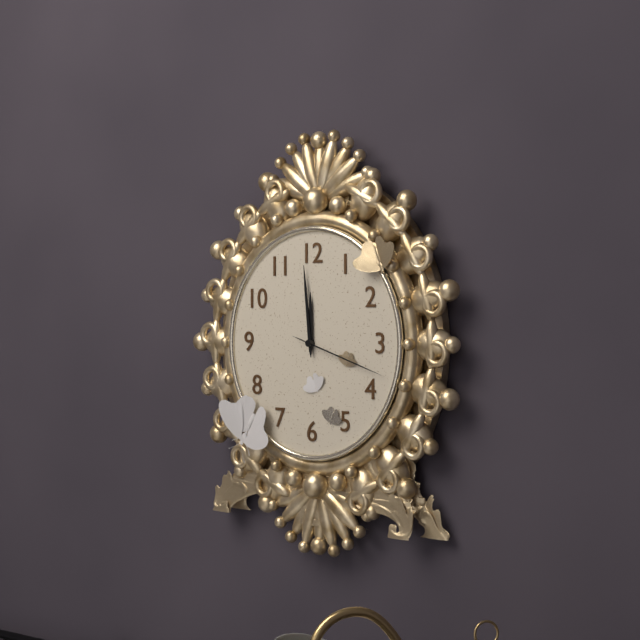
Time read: 11:59:18
